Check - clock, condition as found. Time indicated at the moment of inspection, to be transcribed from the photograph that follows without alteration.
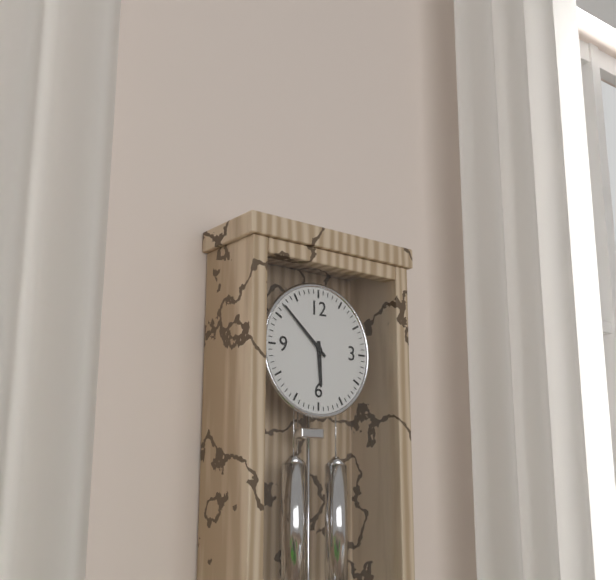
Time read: 5:52
